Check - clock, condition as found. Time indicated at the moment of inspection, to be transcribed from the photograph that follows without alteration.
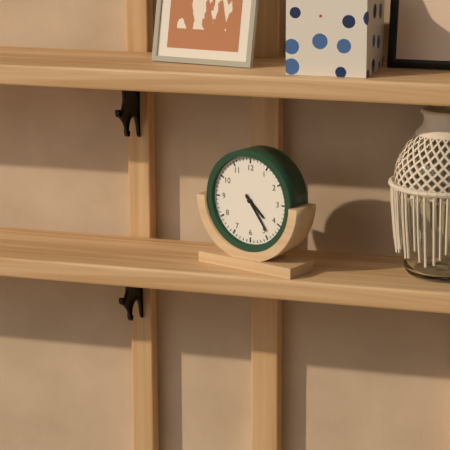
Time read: 4:24
